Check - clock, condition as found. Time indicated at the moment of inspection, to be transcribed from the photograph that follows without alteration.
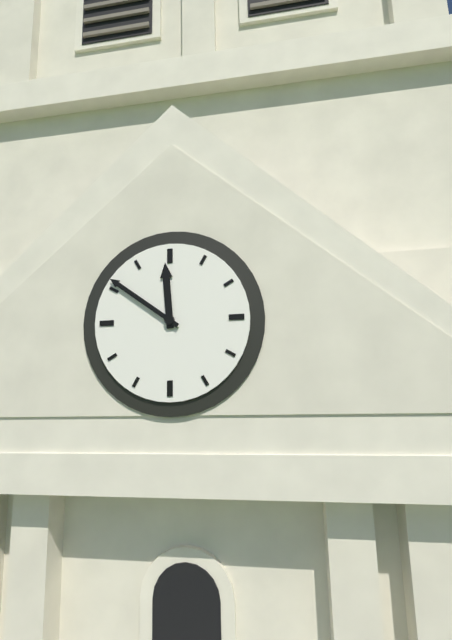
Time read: 11:51
